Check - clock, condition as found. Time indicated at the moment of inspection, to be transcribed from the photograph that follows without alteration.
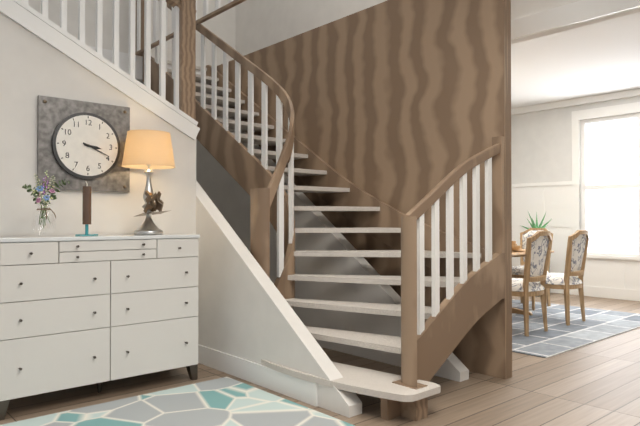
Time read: 3:19
